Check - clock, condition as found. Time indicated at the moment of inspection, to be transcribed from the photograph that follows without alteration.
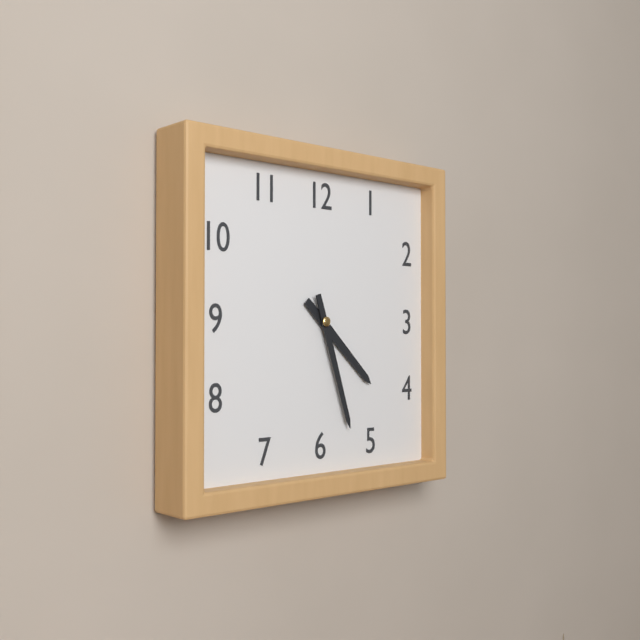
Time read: 4:27
